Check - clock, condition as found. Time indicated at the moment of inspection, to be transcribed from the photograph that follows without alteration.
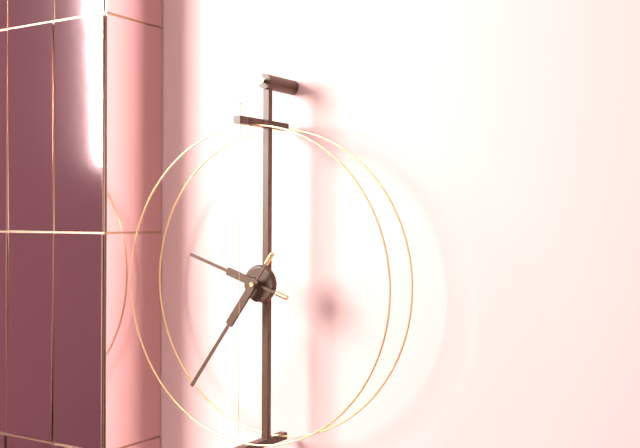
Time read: 9:36
